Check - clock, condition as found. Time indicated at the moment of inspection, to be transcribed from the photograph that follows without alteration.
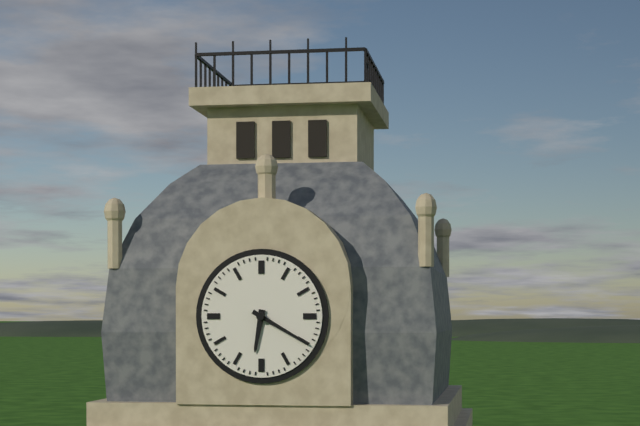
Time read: 6:20
